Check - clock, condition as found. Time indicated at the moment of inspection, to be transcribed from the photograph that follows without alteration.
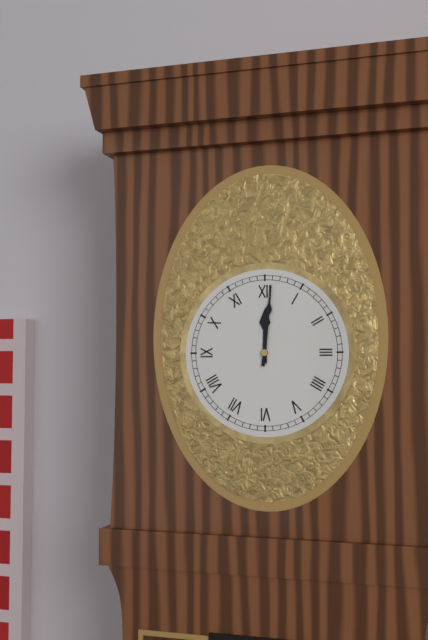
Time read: 12:01
